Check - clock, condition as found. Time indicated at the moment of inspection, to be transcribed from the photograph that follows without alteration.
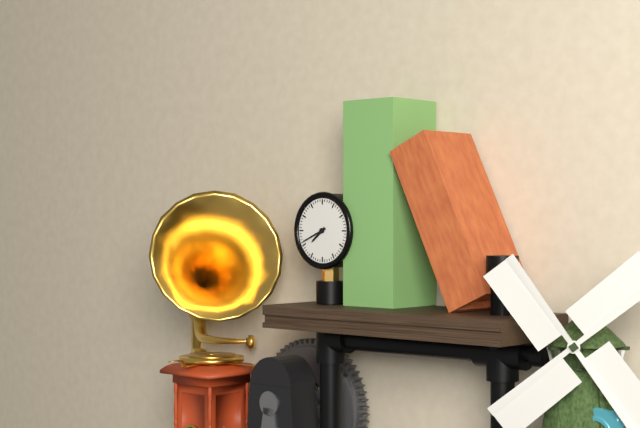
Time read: 7:41
